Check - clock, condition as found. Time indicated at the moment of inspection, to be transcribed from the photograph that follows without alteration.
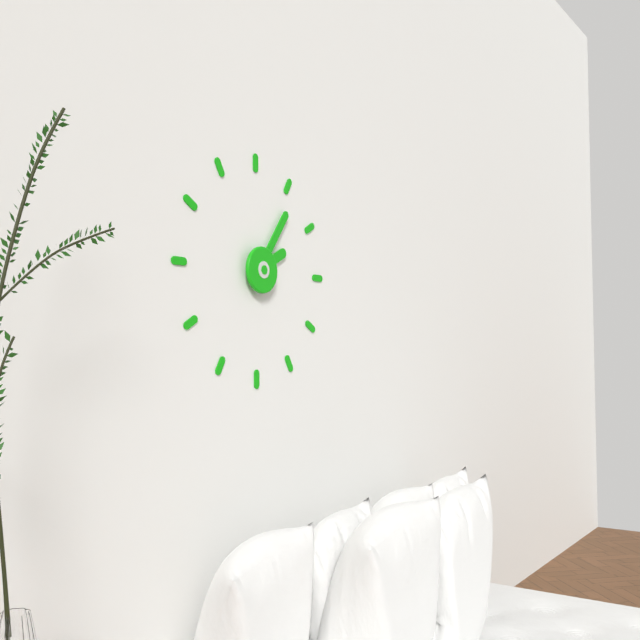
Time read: 2:06
